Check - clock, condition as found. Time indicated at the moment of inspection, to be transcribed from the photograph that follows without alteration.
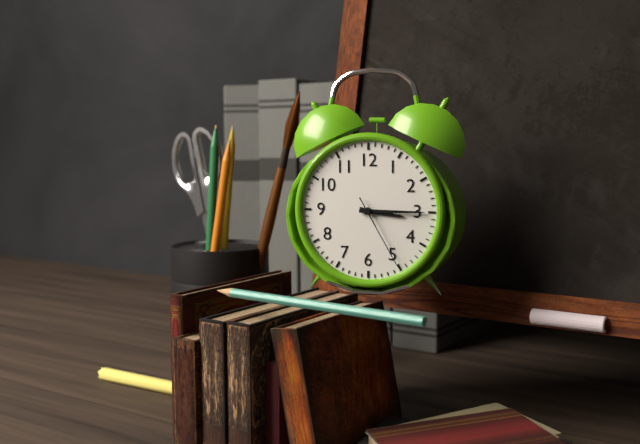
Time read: 3:15:25
